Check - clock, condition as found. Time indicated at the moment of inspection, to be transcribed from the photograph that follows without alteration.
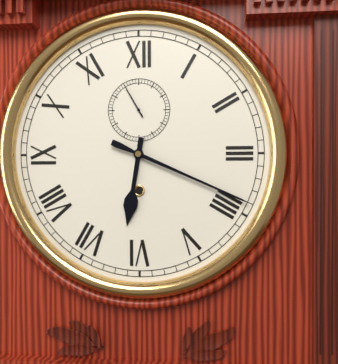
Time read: 6:19
